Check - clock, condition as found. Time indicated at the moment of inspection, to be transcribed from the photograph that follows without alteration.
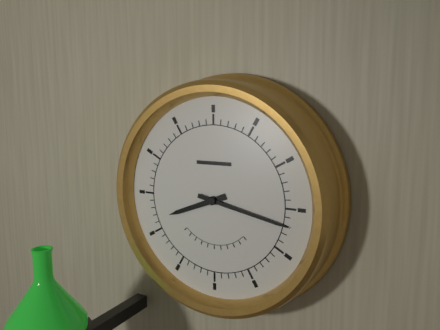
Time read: 8:17
